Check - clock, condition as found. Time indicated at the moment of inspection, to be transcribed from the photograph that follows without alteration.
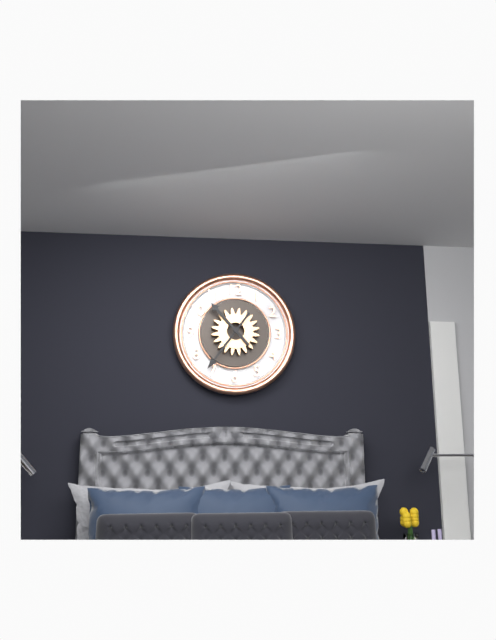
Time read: 10:36
